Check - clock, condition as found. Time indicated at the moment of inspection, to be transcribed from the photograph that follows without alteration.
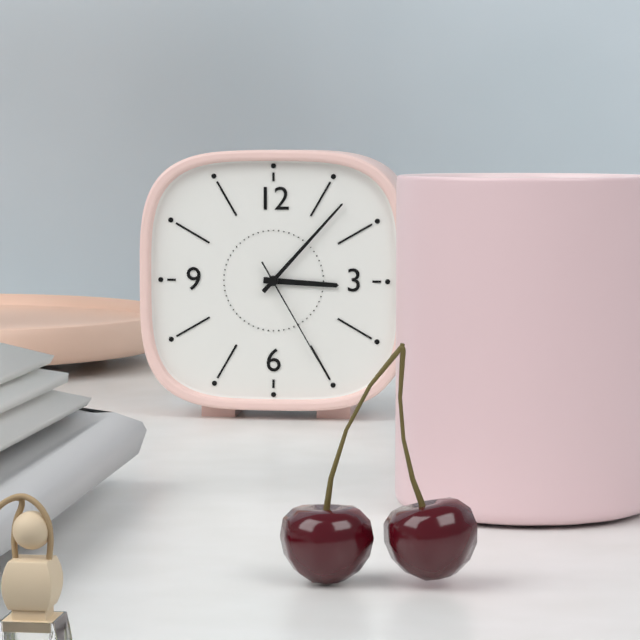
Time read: 3:07:25
